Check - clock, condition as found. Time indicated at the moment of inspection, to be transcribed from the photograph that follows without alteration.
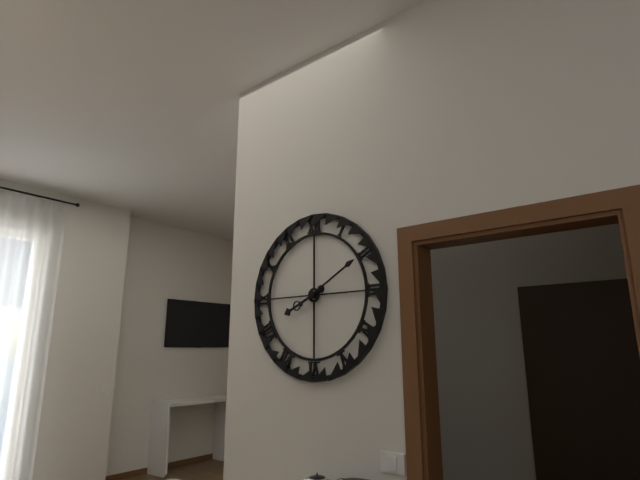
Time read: 8:10
